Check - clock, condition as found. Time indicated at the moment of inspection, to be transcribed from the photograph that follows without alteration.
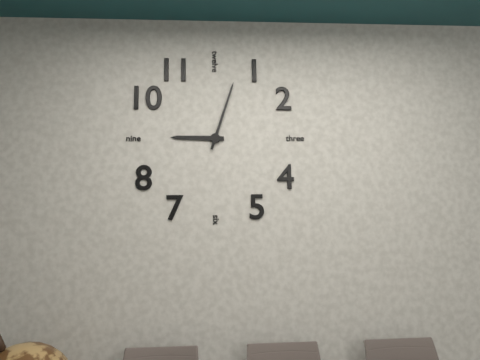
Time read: 9:03
